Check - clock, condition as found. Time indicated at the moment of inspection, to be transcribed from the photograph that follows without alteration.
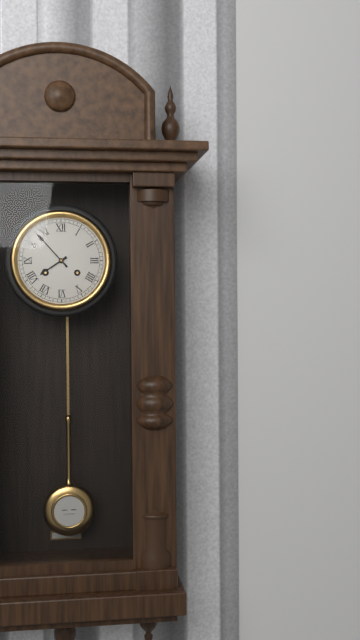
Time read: 7:53
